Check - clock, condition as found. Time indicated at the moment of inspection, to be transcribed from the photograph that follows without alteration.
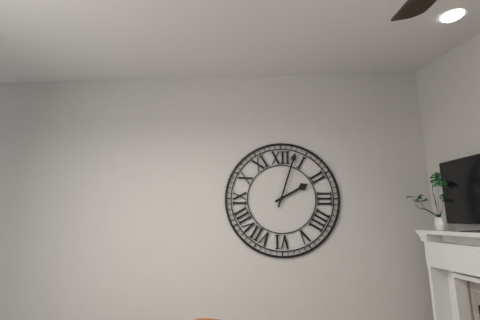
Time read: 2:03
